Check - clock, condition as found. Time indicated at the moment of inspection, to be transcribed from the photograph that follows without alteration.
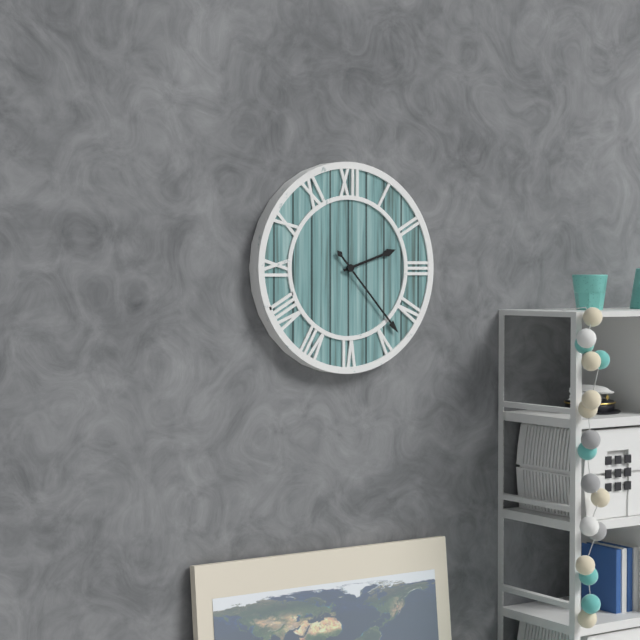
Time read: 2:23
